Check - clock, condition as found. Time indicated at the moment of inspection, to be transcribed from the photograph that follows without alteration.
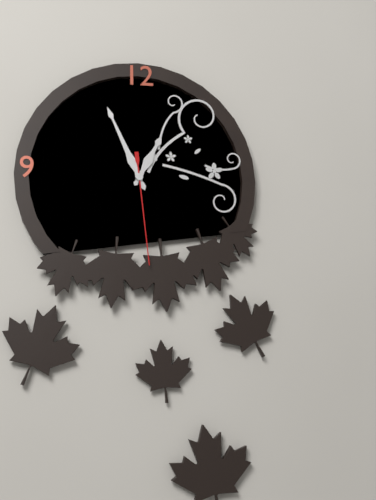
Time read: 12:56:29
